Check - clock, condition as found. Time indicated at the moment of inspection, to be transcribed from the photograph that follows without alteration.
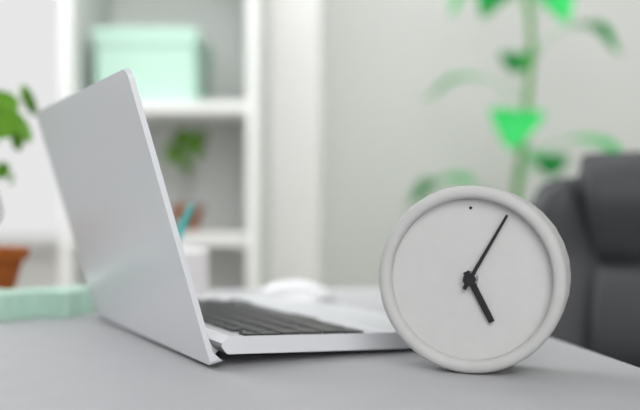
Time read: 5:05
